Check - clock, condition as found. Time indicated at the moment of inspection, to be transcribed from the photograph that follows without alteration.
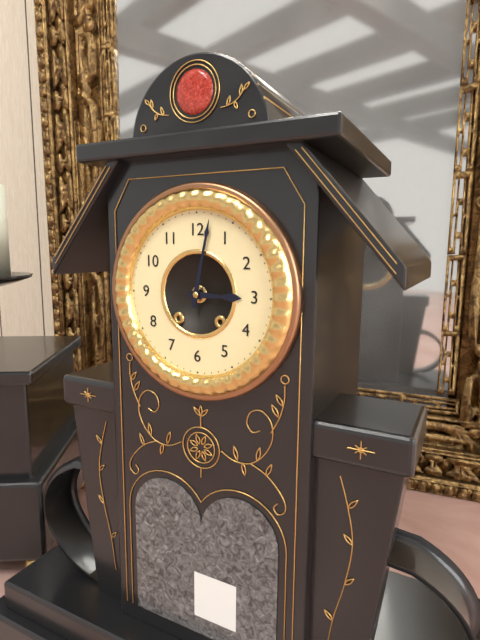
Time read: 3:02
